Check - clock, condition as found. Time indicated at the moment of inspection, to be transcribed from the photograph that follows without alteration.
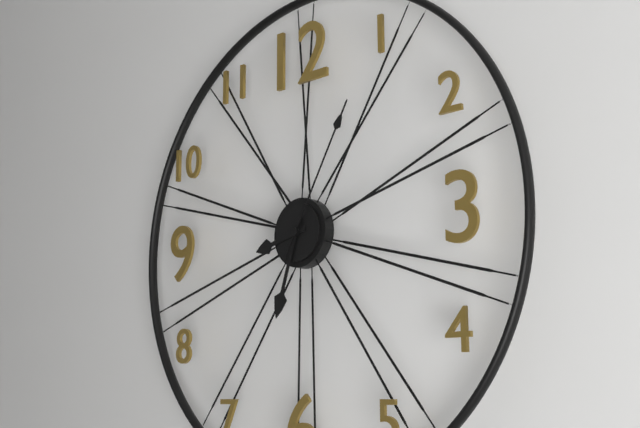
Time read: 8:33:05
